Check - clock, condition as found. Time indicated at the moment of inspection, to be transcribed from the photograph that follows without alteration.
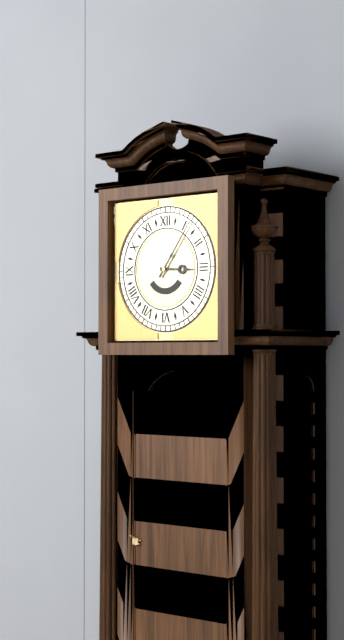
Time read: 3:06
